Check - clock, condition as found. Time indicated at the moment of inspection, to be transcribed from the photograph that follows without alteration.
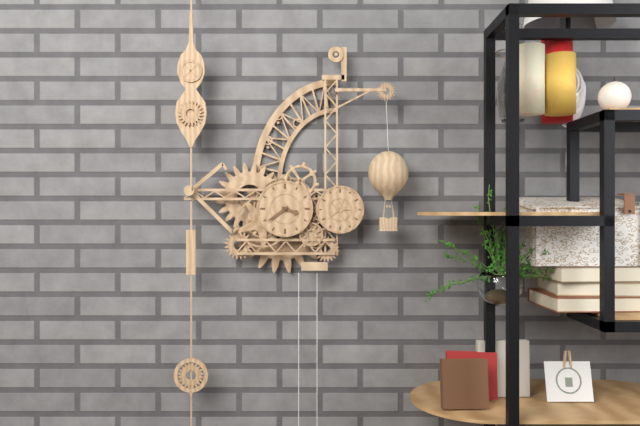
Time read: 3:39
